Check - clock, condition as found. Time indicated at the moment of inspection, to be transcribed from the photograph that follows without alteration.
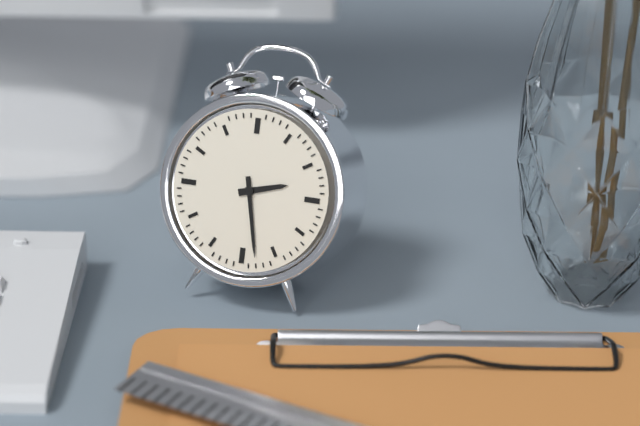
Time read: 2:28
